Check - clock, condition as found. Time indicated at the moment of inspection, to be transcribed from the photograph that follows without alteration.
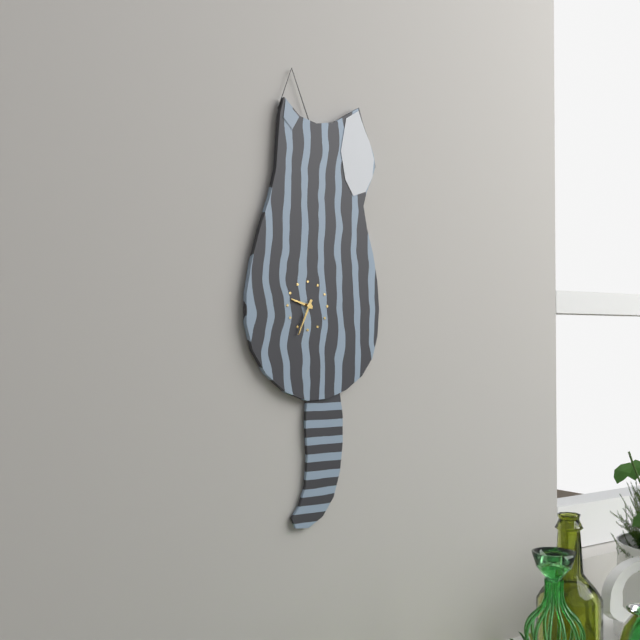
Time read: 9:34
